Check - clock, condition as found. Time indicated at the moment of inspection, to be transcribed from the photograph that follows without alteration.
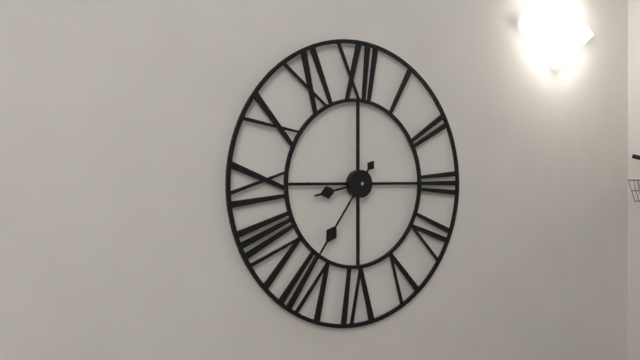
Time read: 8:36
